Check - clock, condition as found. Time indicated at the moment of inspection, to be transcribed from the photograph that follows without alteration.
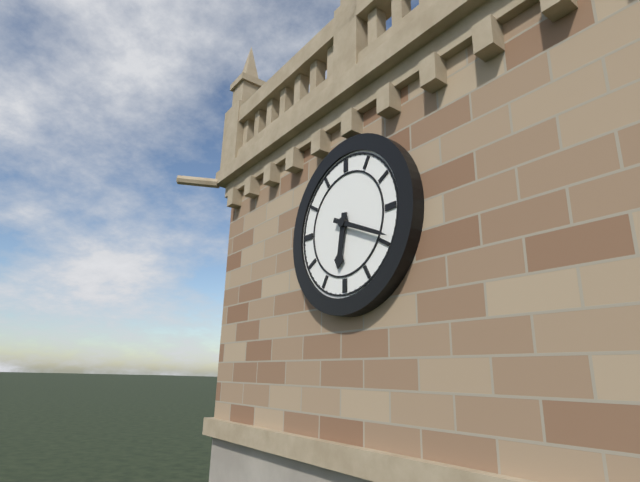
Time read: 6:19
